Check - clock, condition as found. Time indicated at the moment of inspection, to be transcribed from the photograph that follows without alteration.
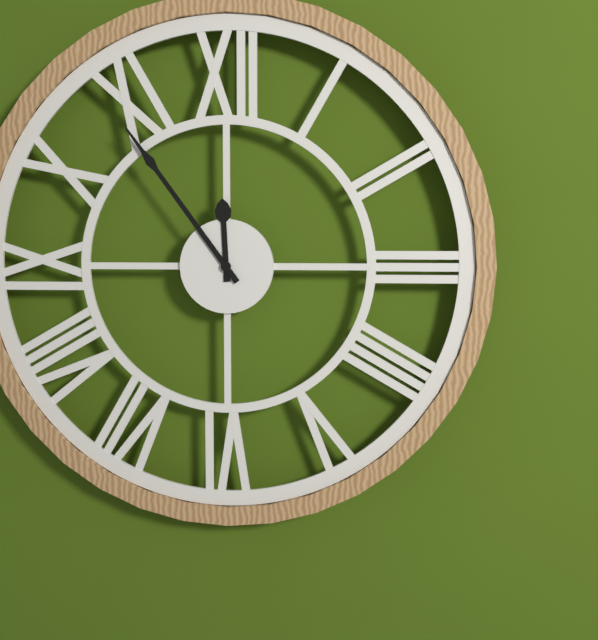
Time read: 11:54
